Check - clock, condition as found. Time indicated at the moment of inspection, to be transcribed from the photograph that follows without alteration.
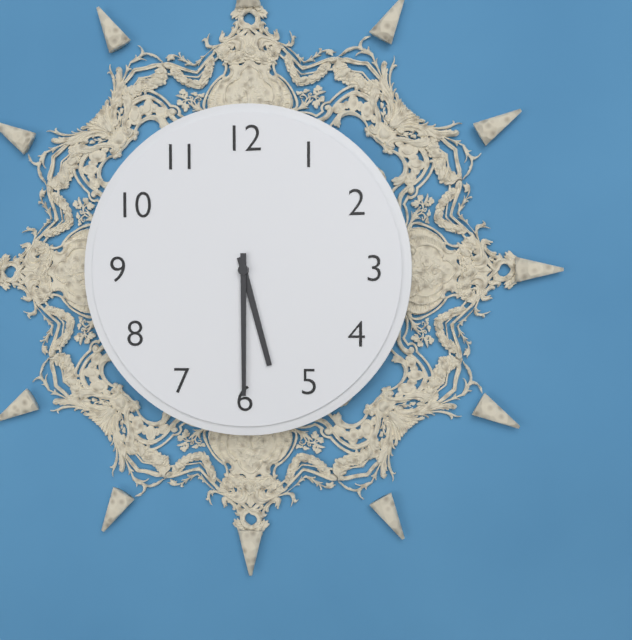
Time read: 5:30
